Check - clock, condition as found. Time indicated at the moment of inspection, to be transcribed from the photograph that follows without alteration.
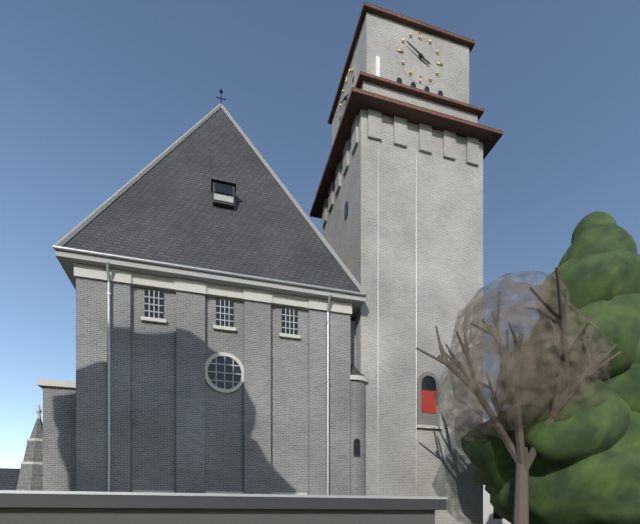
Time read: 3:50
